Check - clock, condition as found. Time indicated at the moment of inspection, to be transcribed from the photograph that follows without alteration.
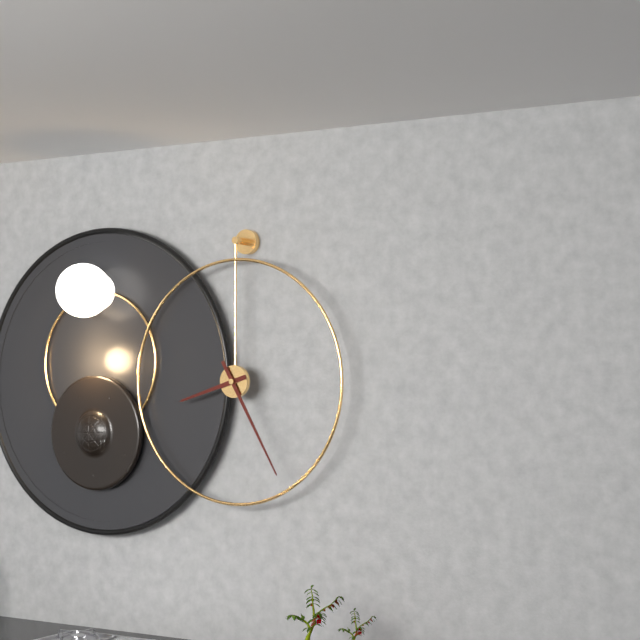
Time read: 8:25
